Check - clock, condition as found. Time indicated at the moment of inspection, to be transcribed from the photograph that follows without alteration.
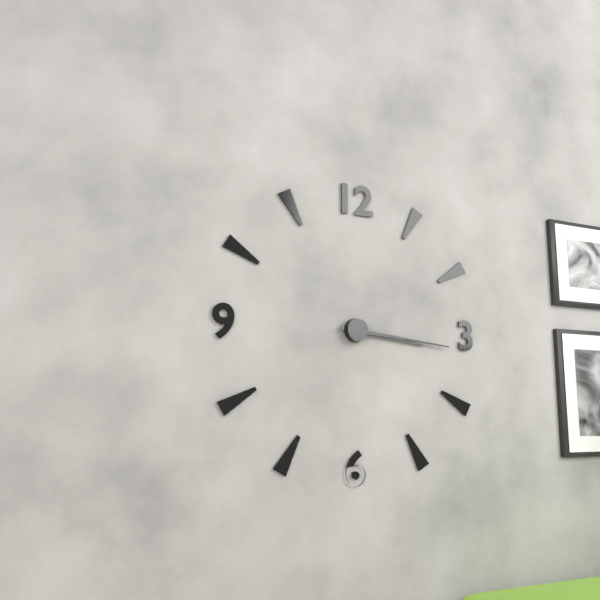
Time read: 3:16
